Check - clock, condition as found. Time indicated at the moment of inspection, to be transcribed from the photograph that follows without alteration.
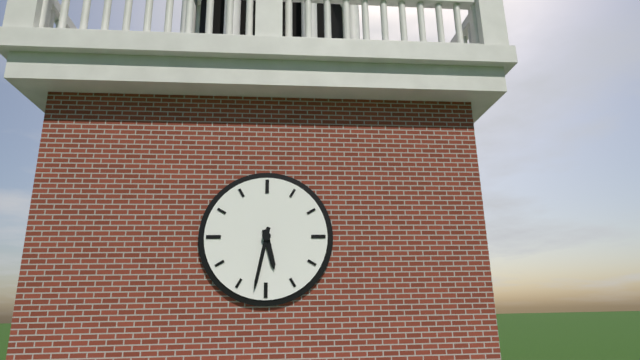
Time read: 5:32
